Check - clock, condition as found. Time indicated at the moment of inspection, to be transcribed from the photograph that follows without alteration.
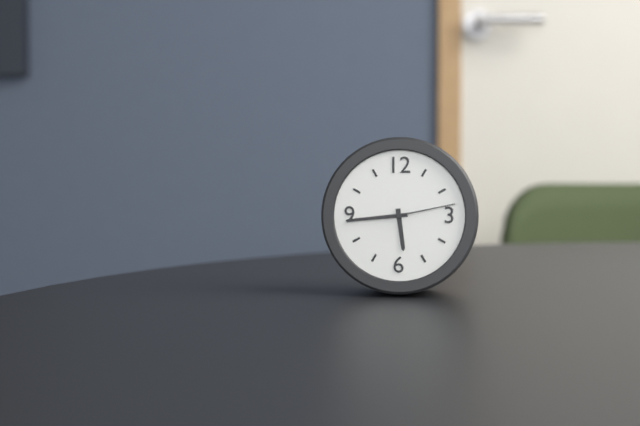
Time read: 5:44:13
